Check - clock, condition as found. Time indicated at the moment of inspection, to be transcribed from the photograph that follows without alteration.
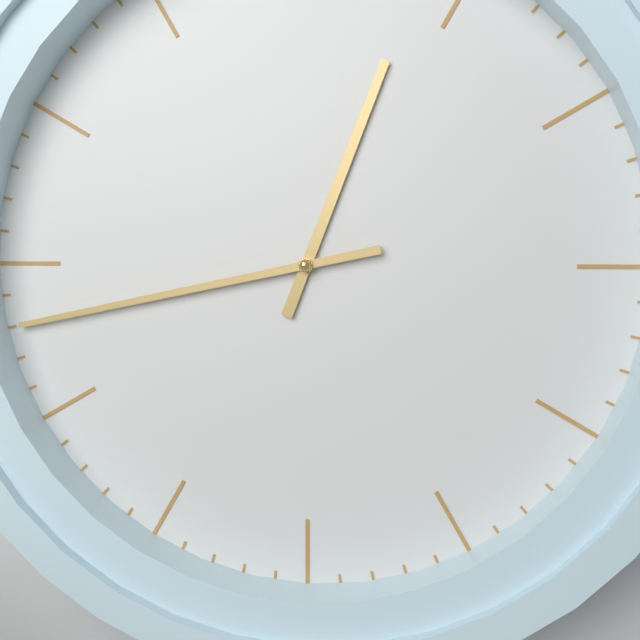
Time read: 12:43
